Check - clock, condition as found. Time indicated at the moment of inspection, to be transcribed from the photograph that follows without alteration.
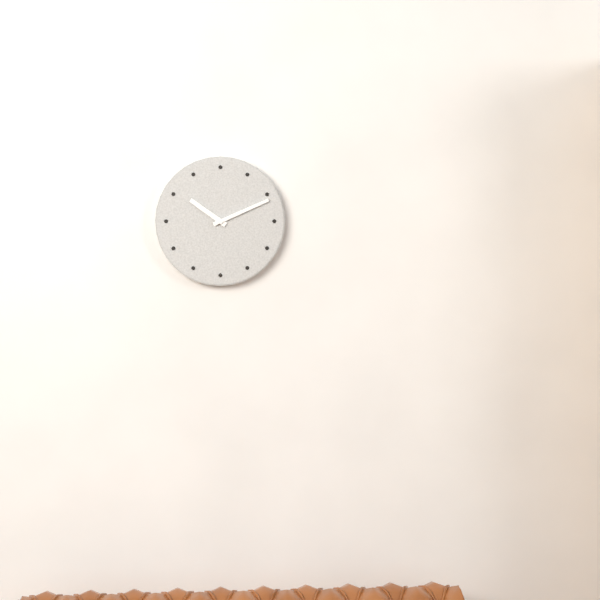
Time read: 10:11
